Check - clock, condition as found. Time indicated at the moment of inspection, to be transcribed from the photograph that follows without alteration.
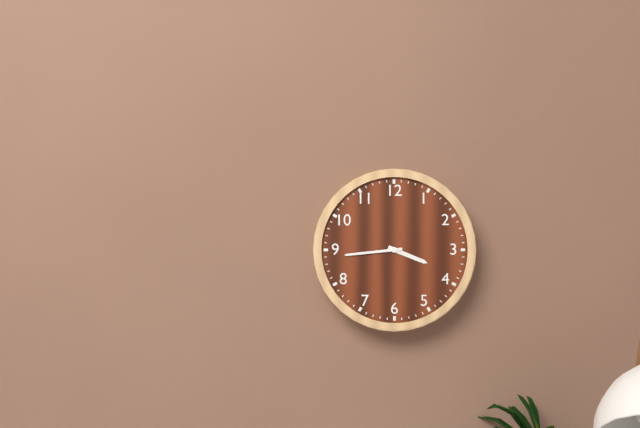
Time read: 3:44
